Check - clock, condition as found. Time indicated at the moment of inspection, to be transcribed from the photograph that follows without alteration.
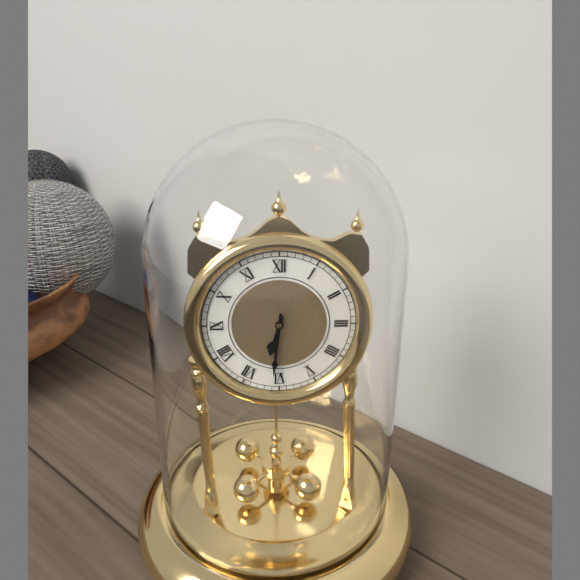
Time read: 6:31
